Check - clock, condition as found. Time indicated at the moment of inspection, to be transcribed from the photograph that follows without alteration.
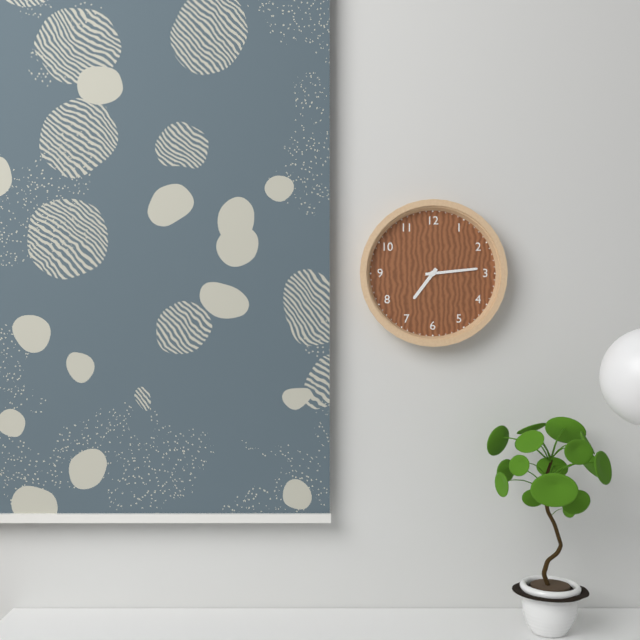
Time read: 7:14
